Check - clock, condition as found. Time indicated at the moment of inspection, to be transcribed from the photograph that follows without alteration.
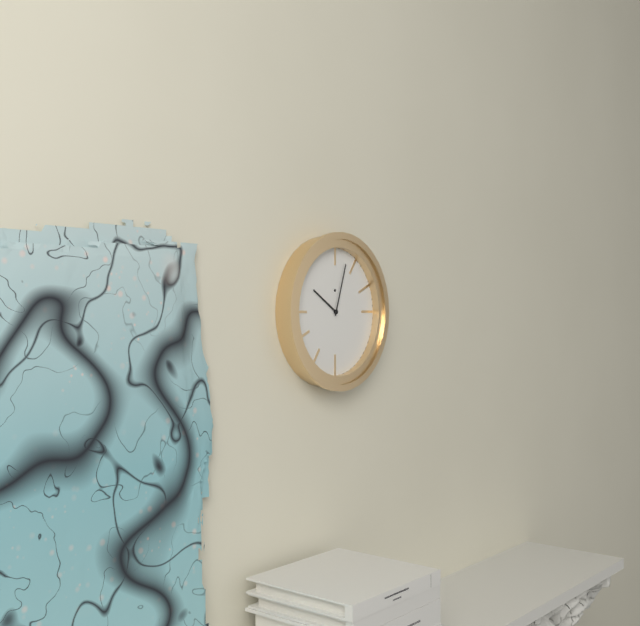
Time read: 10:03
